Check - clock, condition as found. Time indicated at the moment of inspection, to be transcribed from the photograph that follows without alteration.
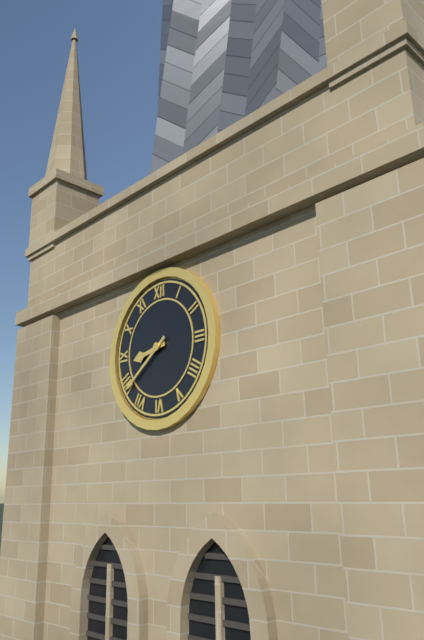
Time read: 8:39
